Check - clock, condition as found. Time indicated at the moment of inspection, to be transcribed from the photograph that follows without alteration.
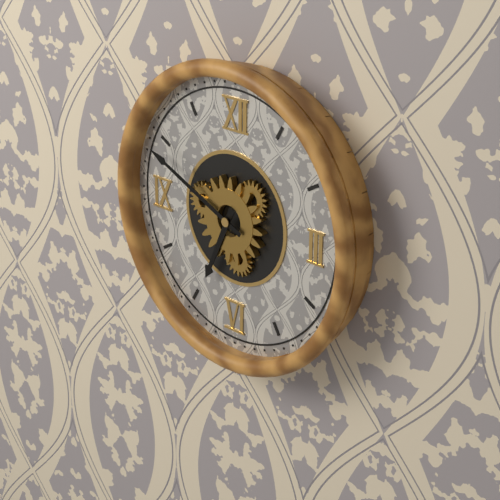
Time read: 6:49
